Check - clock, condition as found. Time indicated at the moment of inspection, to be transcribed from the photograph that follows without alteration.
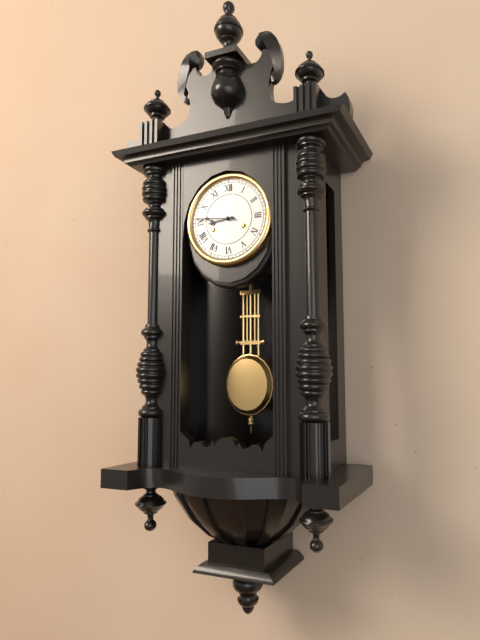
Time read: 8:46
